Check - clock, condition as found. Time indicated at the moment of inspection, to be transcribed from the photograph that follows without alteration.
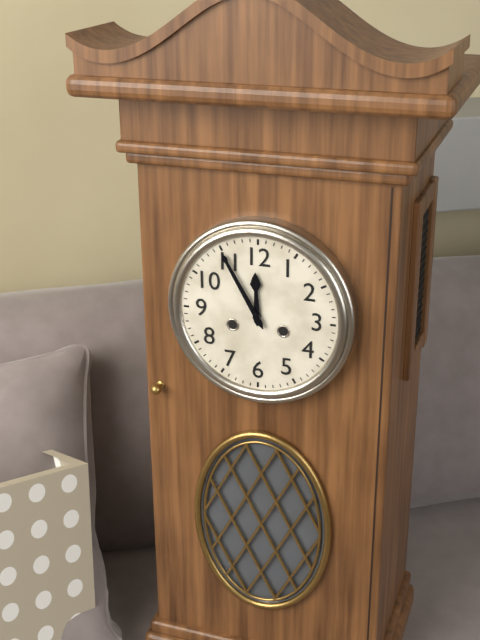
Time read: 11:55
